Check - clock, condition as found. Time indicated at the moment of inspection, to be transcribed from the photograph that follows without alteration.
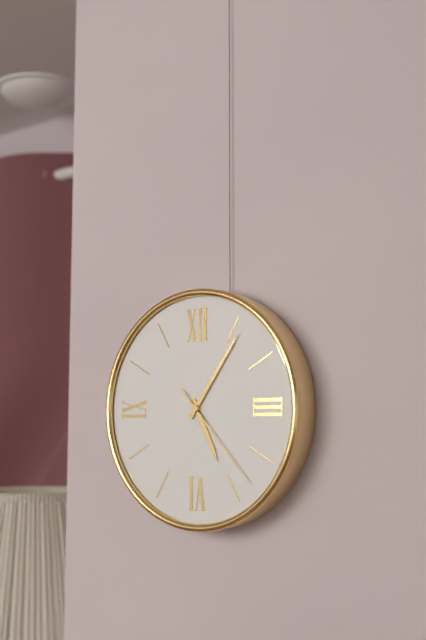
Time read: 5:06:23
